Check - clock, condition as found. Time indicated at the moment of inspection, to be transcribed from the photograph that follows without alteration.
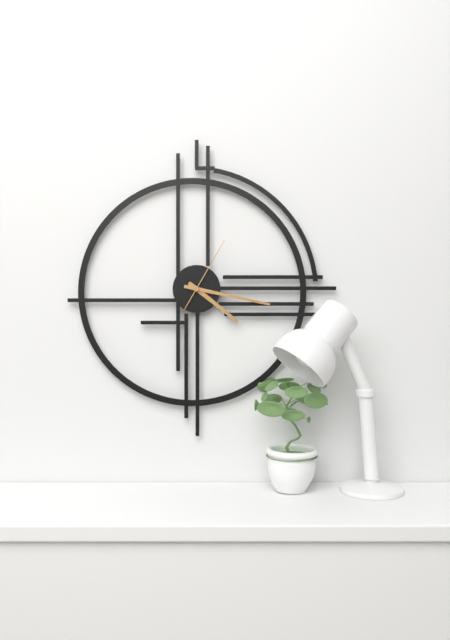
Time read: 4:17:05
